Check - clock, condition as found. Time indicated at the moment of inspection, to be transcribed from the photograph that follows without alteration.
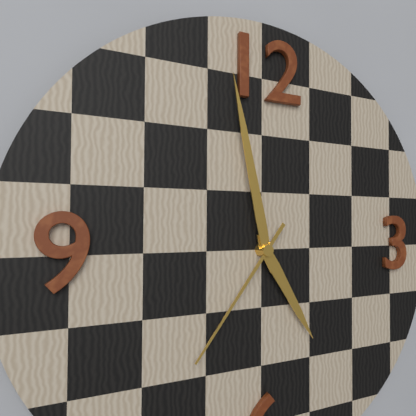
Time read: 4:58:36
